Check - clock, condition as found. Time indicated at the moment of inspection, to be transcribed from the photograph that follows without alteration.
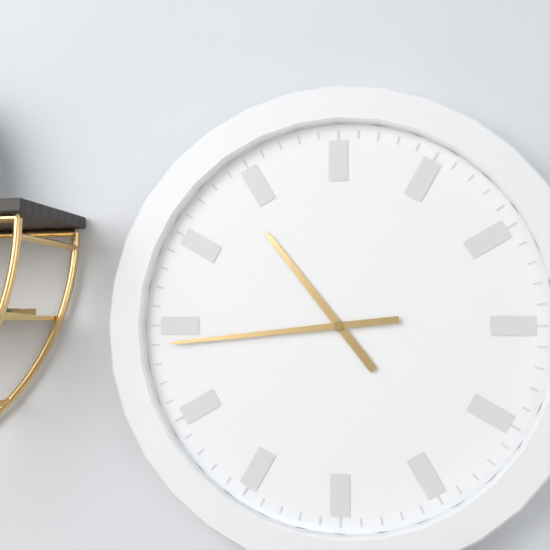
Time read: 10:44
